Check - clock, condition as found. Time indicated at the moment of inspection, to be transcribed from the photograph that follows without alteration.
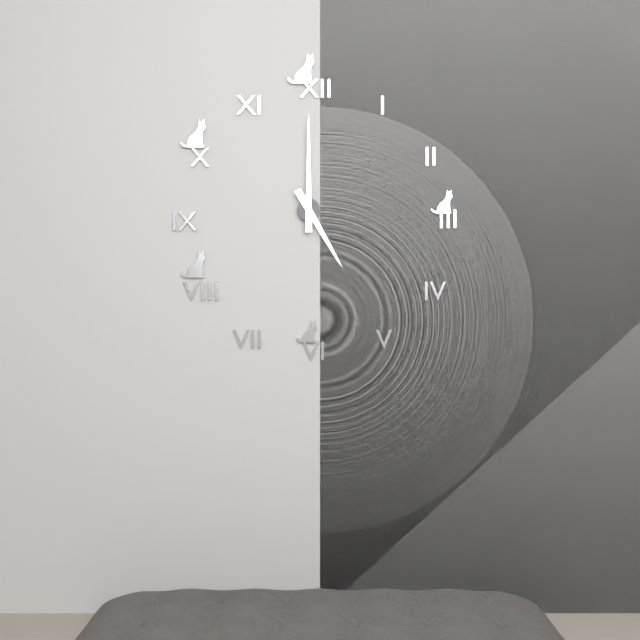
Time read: 5:00
